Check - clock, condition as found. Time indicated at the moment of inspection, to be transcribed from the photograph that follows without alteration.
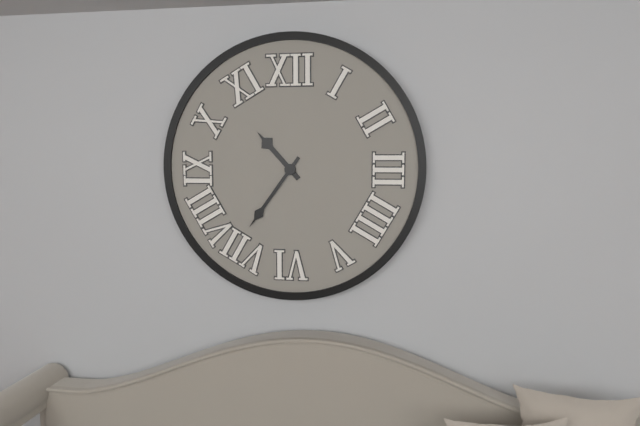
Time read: 10:36
